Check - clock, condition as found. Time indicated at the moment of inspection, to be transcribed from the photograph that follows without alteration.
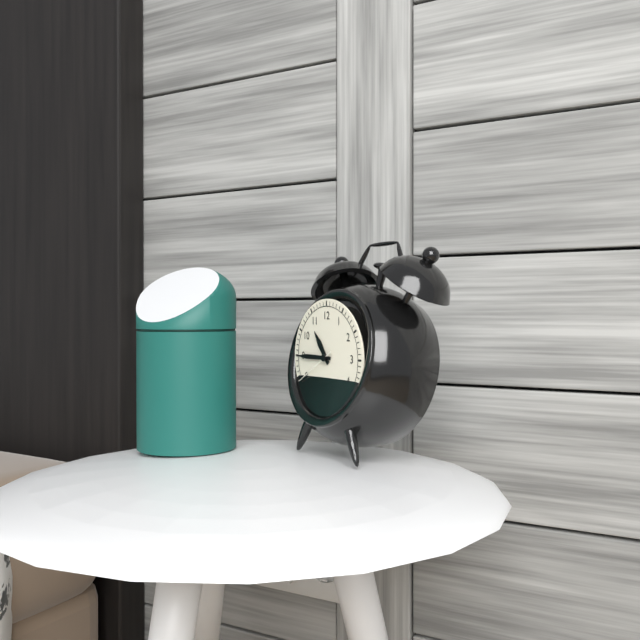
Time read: 10:45
